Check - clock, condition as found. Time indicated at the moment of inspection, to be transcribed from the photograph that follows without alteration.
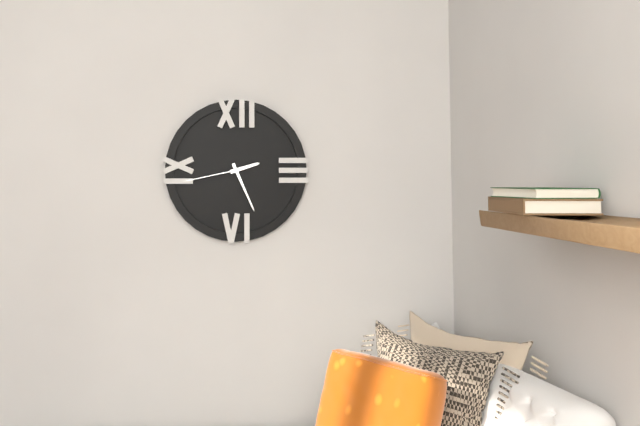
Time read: 2:26:43
